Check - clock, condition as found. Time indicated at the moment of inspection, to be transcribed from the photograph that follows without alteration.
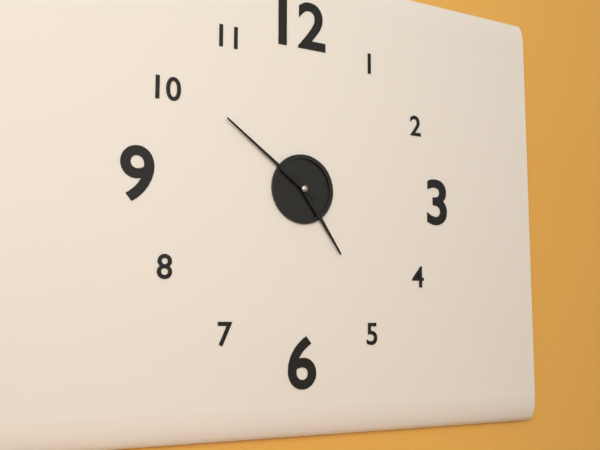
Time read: 4:51
